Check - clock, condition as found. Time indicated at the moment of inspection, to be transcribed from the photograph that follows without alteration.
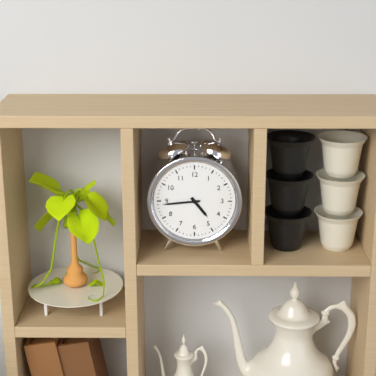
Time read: 4:44
